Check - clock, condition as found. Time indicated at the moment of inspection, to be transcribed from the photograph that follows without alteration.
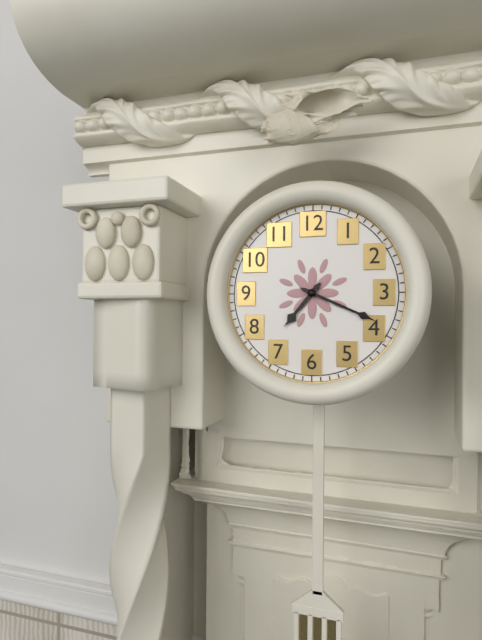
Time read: 7:19
